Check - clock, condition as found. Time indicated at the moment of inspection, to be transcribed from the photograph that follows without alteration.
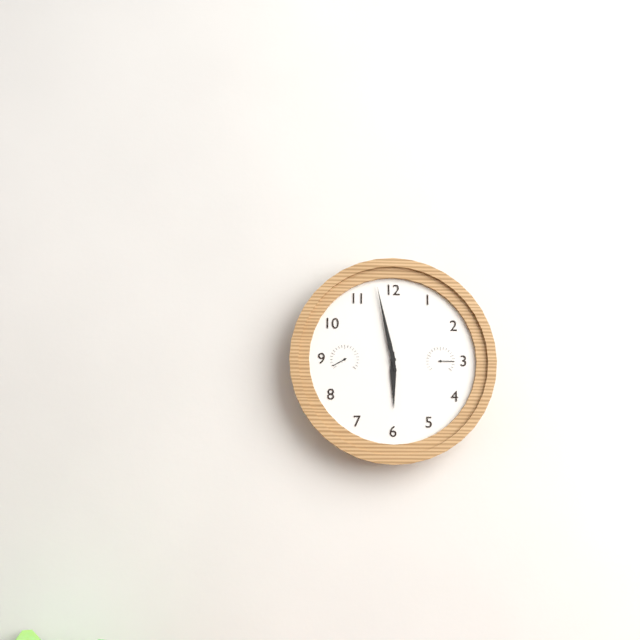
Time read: 5:58
